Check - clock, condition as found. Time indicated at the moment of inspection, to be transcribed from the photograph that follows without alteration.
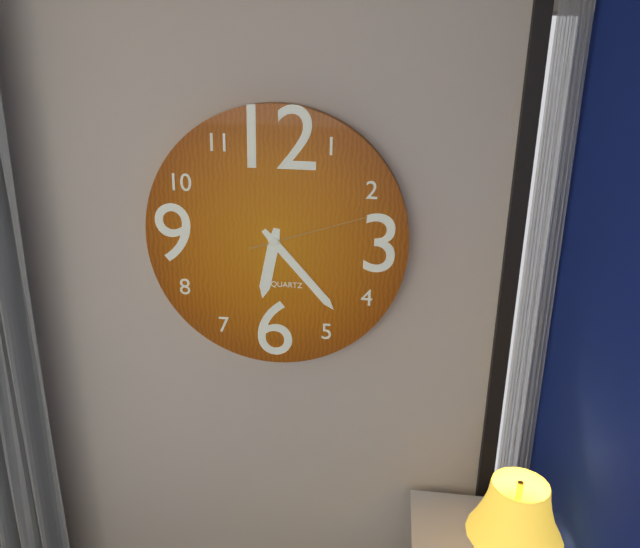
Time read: 6:23:12
